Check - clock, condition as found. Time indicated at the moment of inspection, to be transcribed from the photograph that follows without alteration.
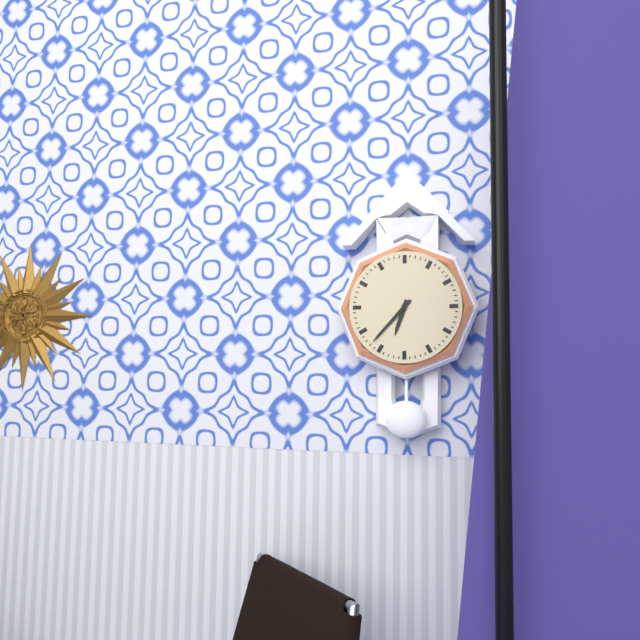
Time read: 6:37
